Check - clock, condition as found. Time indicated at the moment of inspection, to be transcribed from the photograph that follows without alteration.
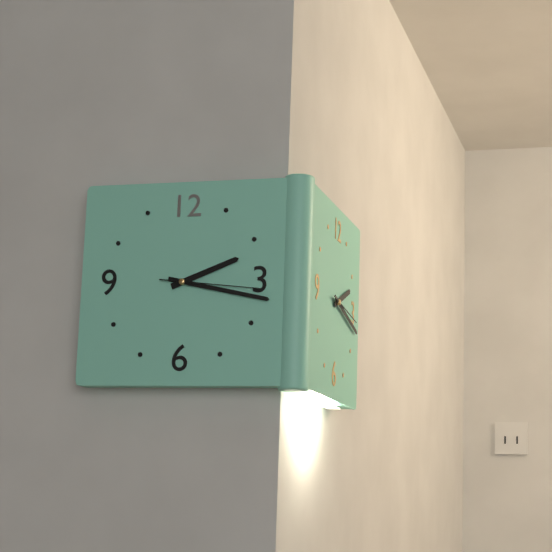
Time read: 2:17:16
